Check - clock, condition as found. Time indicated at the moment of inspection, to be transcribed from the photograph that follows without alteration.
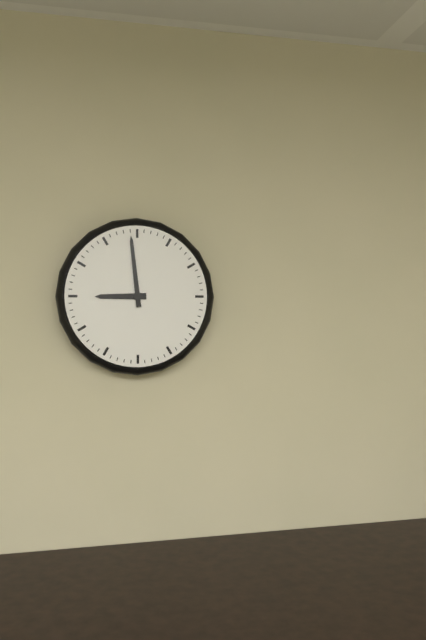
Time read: 8:59
